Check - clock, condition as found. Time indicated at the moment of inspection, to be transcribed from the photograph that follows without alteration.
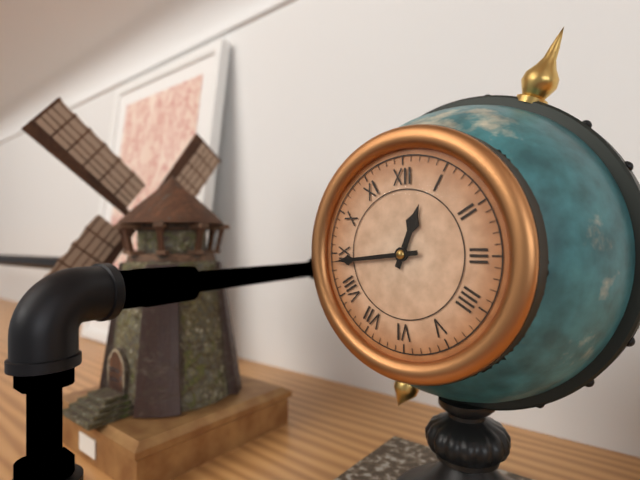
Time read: 12:44
